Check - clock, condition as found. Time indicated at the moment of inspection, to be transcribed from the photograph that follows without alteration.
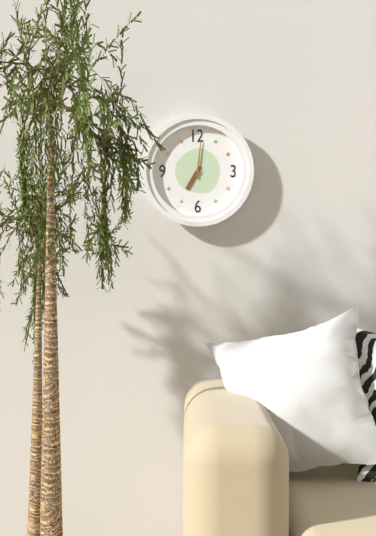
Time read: 7:01
